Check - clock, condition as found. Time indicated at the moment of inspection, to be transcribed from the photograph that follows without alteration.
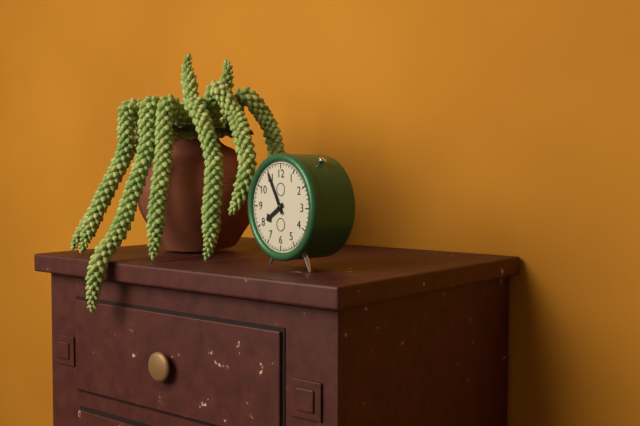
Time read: 7:55
